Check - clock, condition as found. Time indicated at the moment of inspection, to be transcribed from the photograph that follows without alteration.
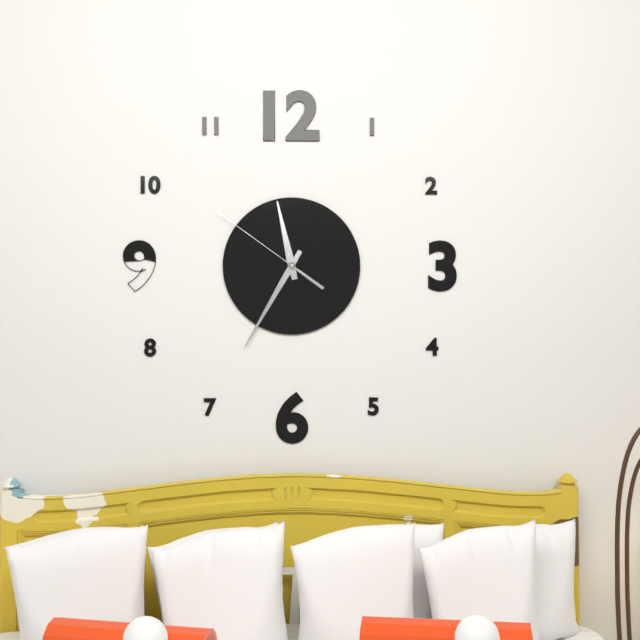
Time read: 11:35:51
